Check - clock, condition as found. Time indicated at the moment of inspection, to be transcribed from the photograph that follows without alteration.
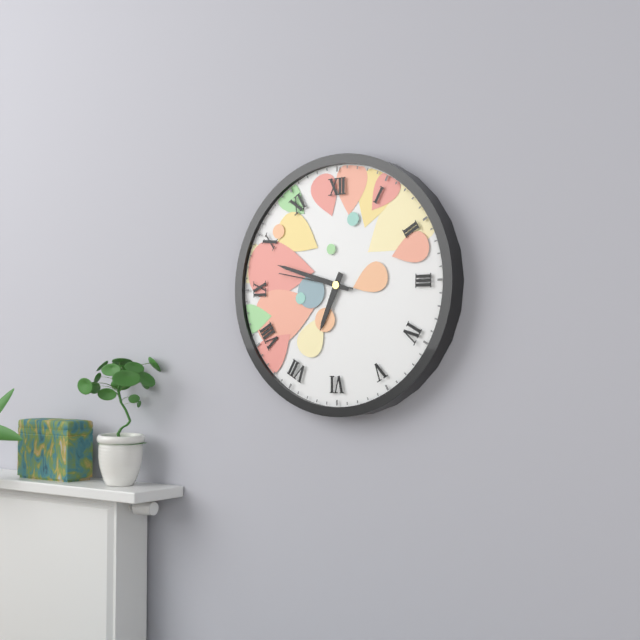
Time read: 6:48:47
